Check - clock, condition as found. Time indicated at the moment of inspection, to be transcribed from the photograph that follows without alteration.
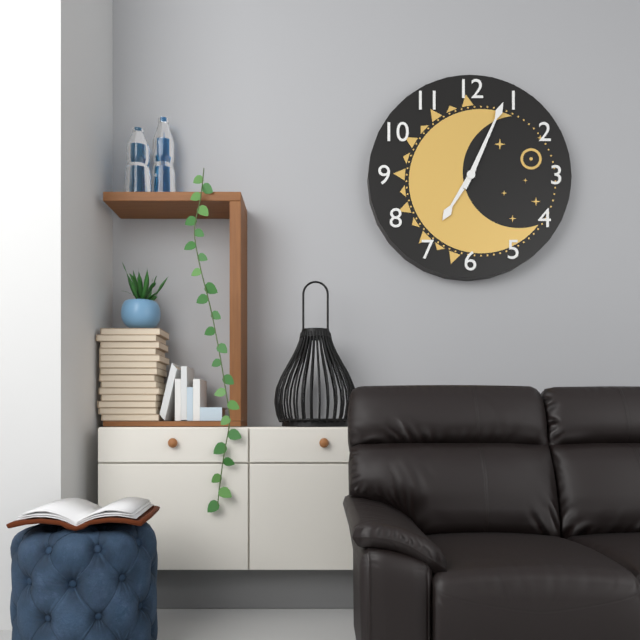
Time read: 7:04
